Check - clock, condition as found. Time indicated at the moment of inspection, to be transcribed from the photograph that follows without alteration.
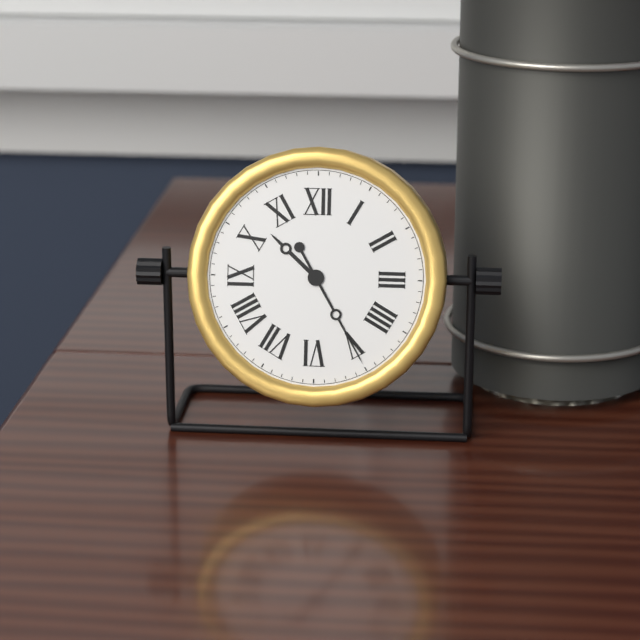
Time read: 10:25
